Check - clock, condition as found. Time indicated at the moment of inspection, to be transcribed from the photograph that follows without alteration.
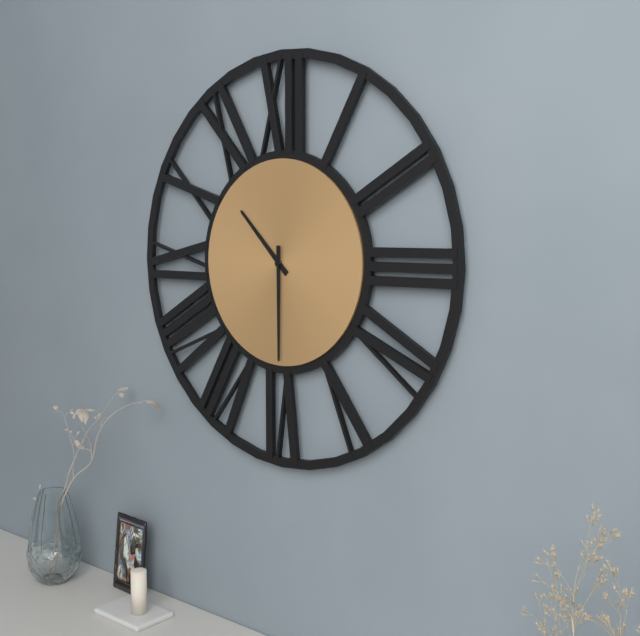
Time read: 10:30
